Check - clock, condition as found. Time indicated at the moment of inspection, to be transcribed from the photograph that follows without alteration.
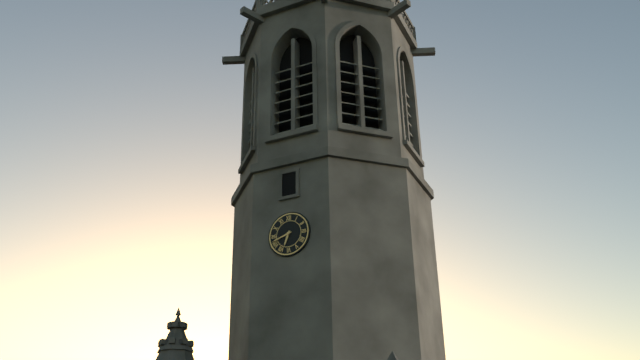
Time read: 6:42
